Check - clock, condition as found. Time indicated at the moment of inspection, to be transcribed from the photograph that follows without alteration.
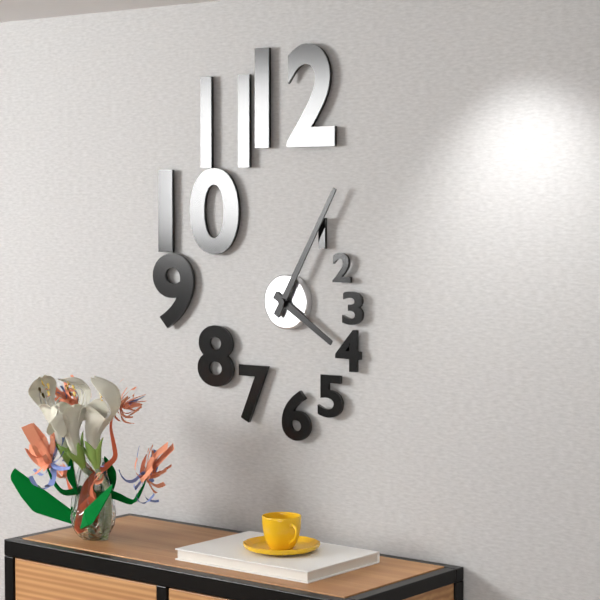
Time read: 4:05
